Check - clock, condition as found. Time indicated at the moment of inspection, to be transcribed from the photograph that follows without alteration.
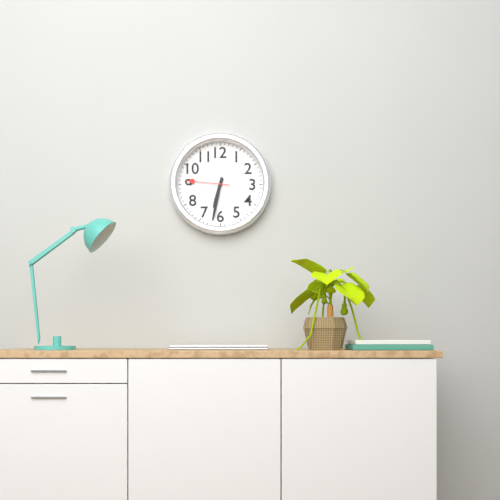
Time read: 6:32
